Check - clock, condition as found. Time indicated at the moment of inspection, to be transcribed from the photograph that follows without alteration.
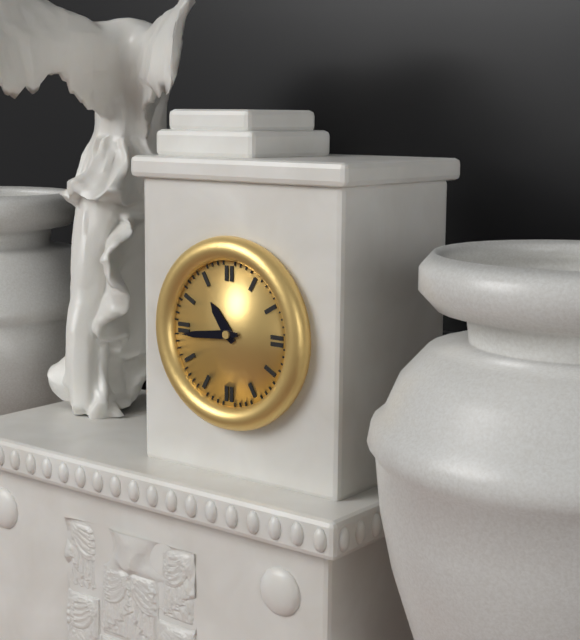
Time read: 10:44
